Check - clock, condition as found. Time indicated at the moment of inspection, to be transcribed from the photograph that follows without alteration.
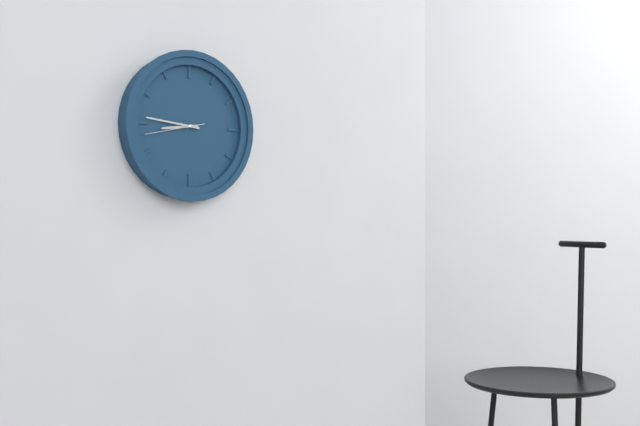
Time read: 8:46:43
